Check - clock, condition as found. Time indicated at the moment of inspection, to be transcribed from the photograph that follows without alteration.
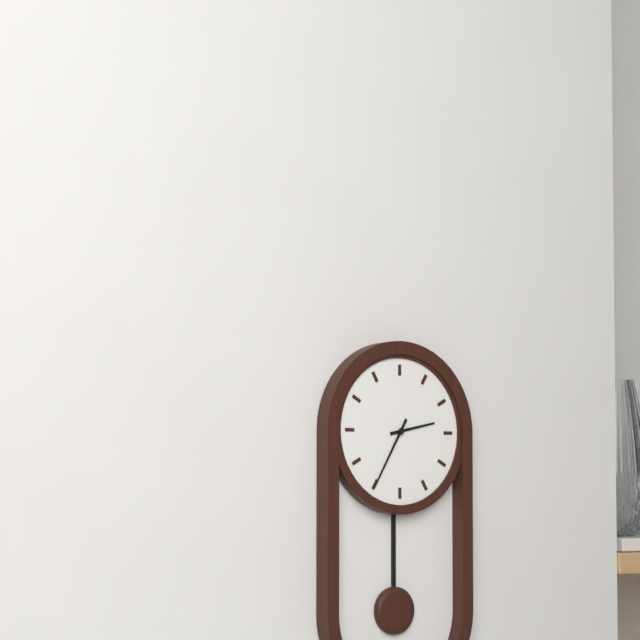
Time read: 2:35
